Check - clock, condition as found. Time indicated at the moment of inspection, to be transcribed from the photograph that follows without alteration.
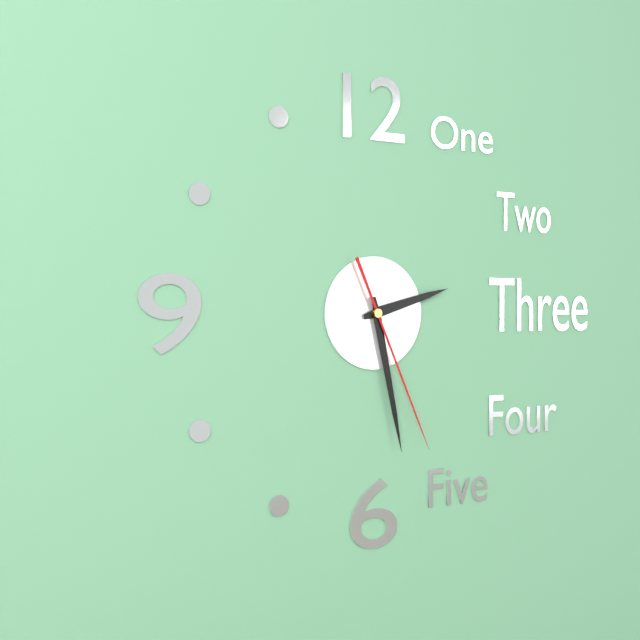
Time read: 2:28:26
